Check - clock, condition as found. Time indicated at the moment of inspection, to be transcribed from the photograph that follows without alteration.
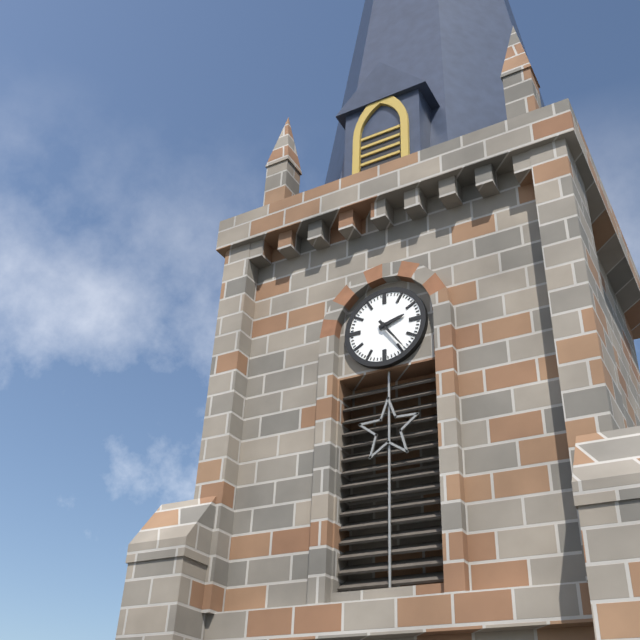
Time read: 2:24
